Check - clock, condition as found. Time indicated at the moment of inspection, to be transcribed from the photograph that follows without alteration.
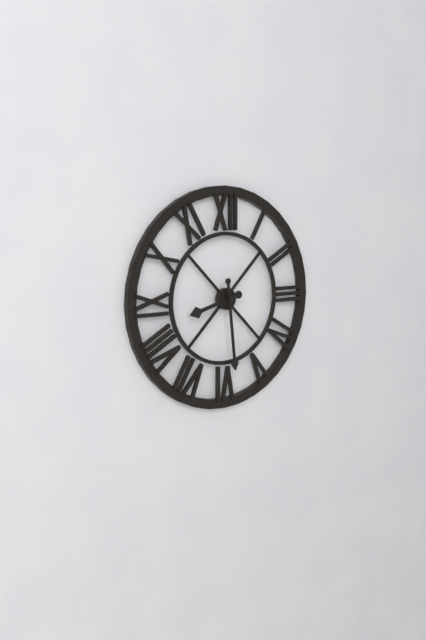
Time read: 8:29
